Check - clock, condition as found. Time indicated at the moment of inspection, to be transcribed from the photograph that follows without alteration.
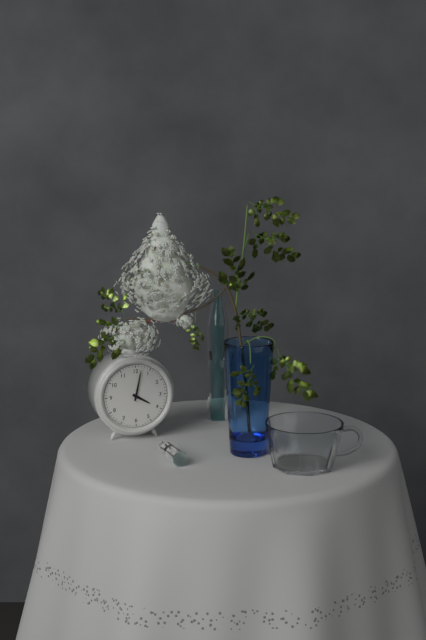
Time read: 4:02
